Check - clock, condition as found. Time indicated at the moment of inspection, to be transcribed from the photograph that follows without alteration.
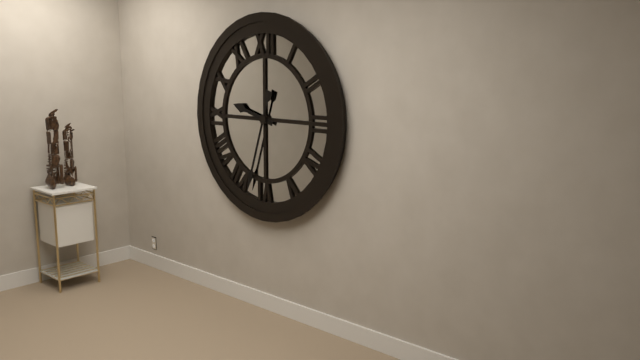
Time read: 9:33
